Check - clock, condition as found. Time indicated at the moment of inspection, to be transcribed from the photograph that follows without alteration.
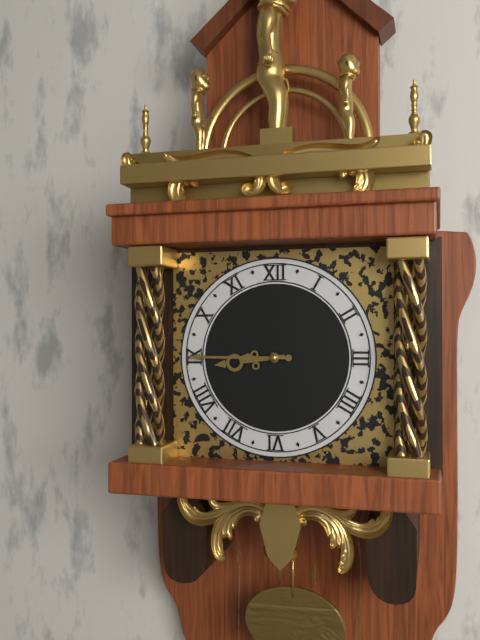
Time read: 8:45
